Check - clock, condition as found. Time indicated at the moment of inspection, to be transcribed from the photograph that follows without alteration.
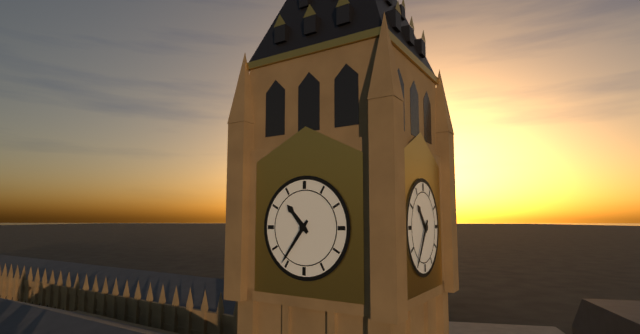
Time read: 10:36
